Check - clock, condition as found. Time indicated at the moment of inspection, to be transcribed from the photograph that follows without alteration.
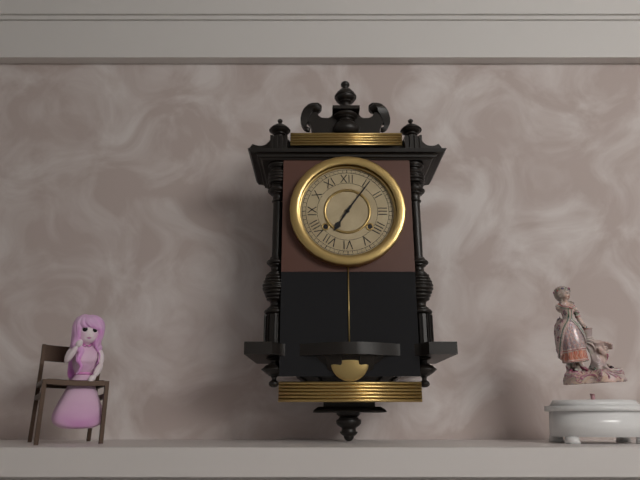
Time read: 7:06
